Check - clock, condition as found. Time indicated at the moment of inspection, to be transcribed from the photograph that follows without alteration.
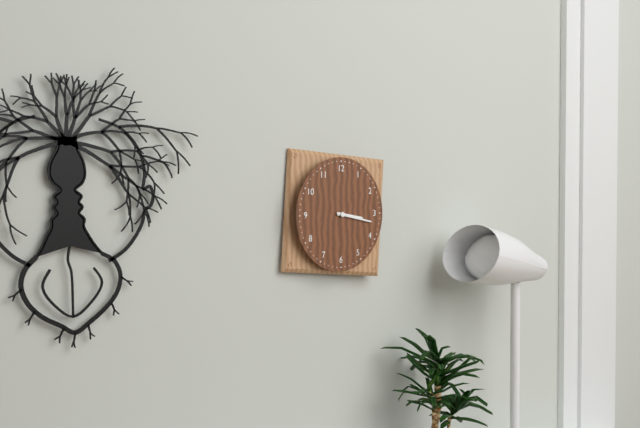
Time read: 3:17
